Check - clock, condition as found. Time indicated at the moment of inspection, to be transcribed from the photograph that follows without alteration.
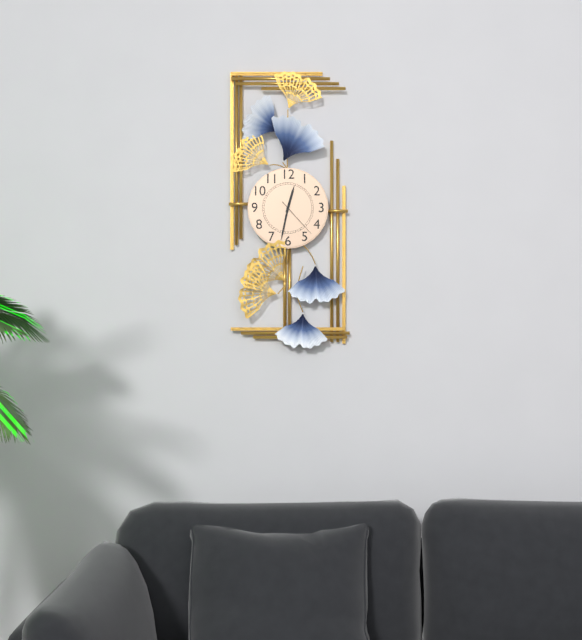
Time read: 12:32
